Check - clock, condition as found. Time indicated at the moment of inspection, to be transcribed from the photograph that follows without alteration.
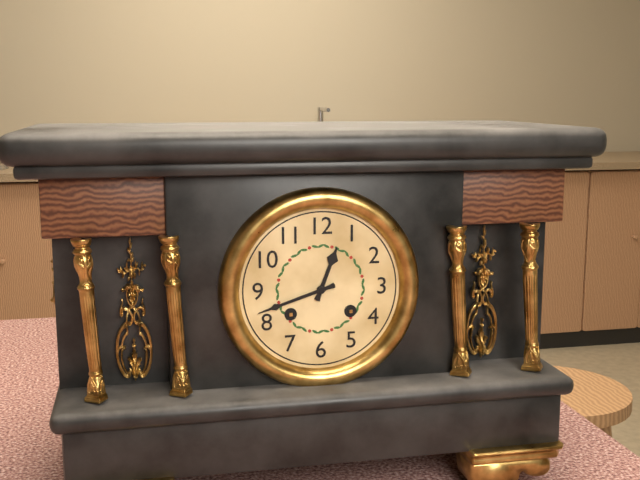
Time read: 12:42
